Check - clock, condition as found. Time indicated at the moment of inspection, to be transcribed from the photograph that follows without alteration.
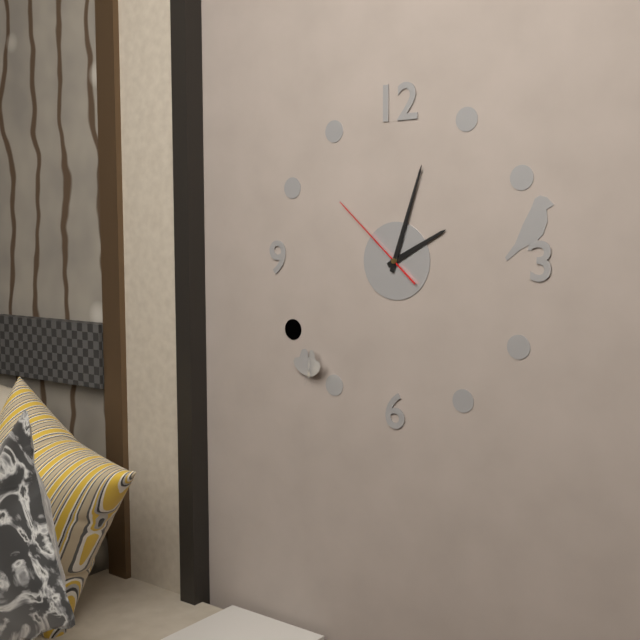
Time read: 2:03:52
